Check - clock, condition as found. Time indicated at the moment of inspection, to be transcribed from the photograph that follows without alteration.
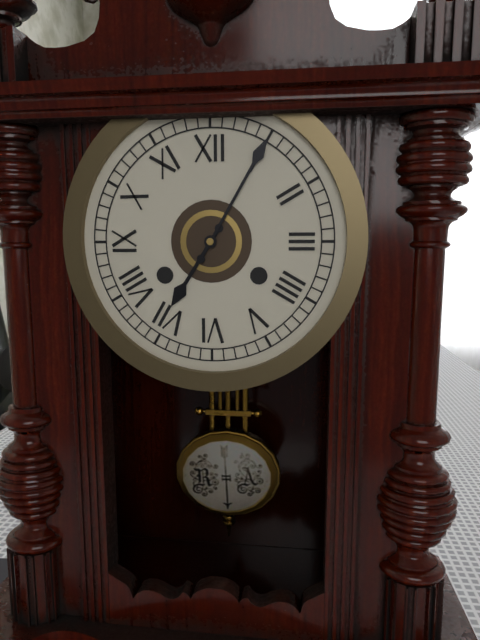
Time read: 7:05
